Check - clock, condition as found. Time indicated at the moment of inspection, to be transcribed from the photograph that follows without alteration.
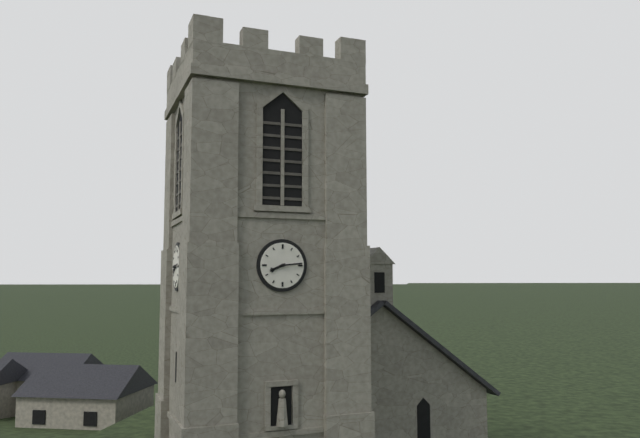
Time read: 8:14
